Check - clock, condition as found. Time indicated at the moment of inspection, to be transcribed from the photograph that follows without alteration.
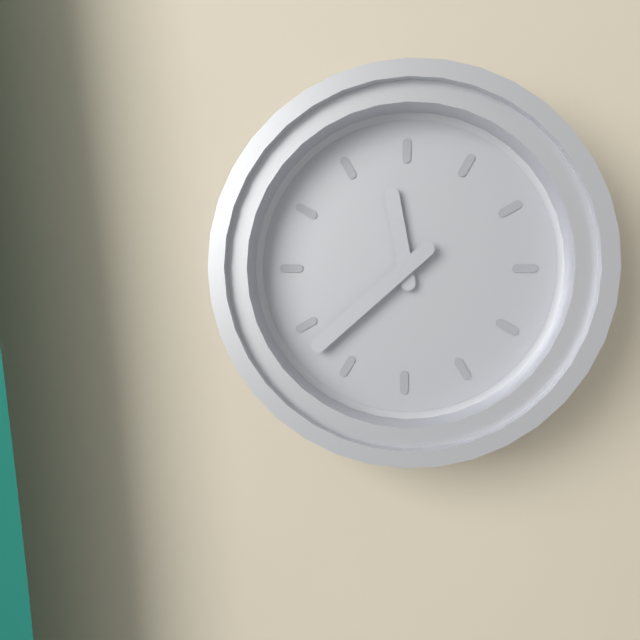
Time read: 11:38
